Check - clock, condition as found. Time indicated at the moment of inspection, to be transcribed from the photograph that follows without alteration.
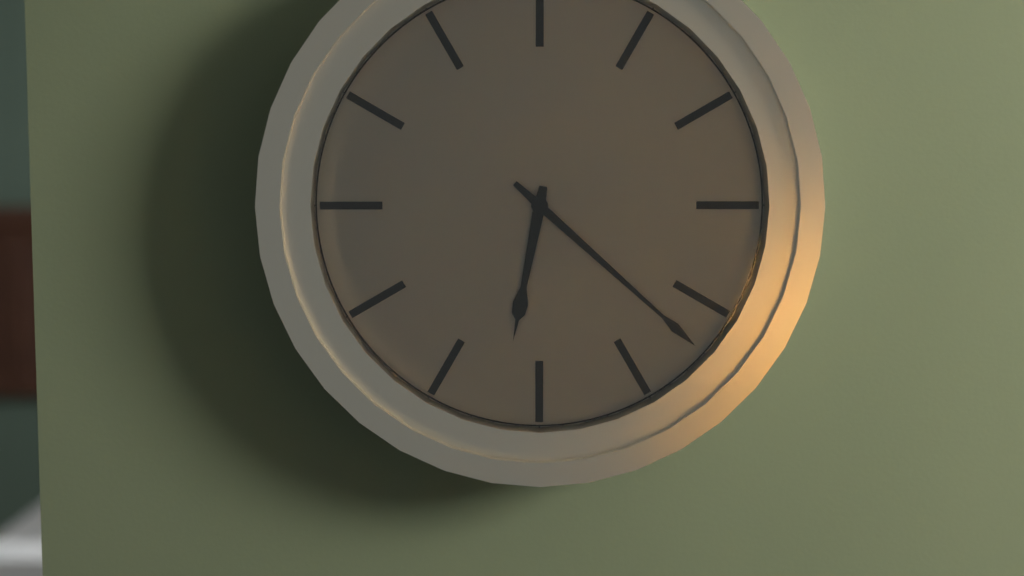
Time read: 6:22
